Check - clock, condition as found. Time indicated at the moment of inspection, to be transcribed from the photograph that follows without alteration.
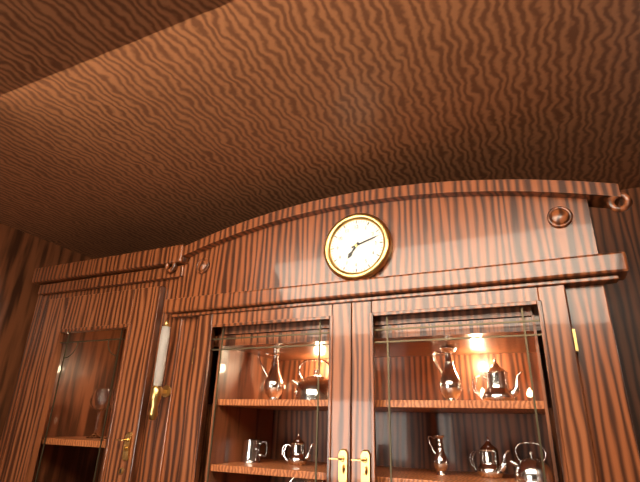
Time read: 7:12
